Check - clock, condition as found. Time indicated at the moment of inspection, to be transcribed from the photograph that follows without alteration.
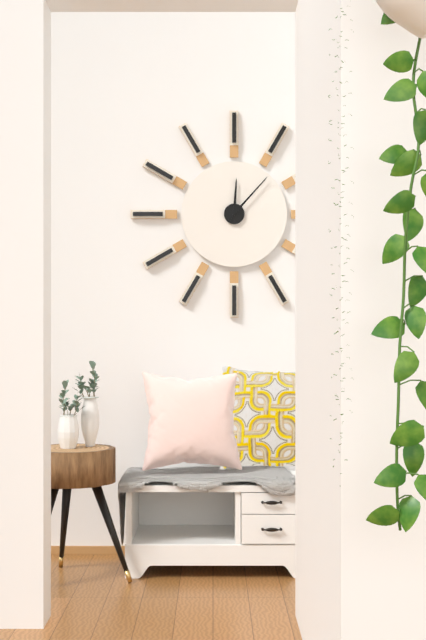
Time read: 12:07
